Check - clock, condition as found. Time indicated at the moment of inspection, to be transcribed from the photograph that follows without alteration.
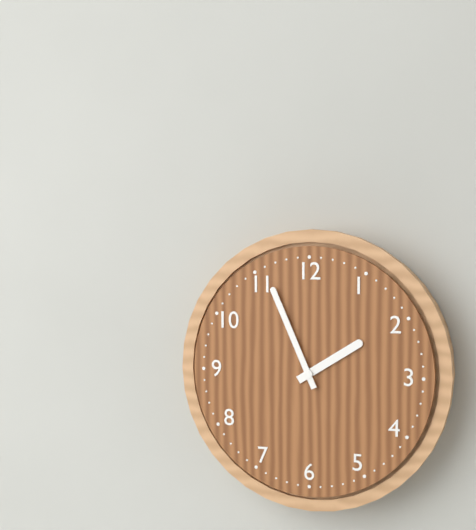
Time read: 1:56
